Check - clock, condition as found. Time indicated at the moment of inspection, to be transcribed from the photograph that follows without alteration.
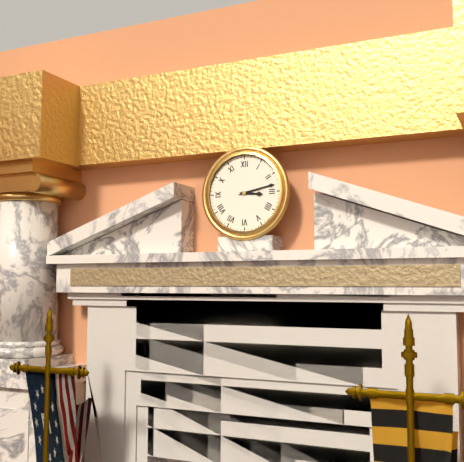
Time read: 3:13
